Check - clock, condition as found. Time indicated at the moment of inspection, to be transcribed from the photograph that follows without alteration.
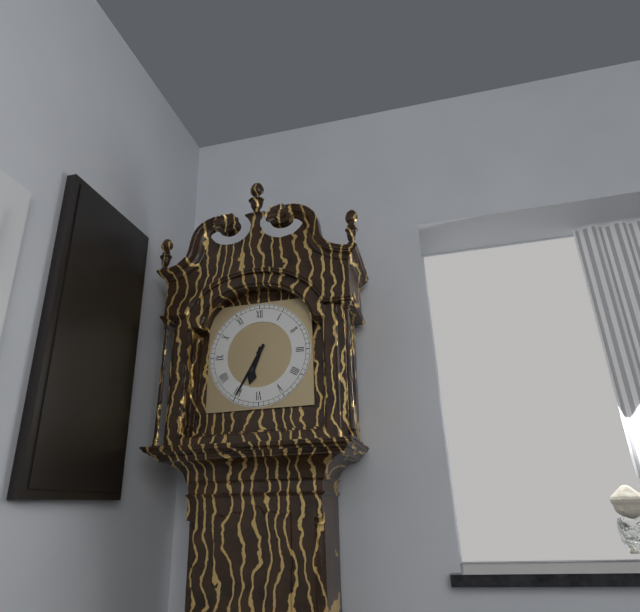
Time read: 6:35
